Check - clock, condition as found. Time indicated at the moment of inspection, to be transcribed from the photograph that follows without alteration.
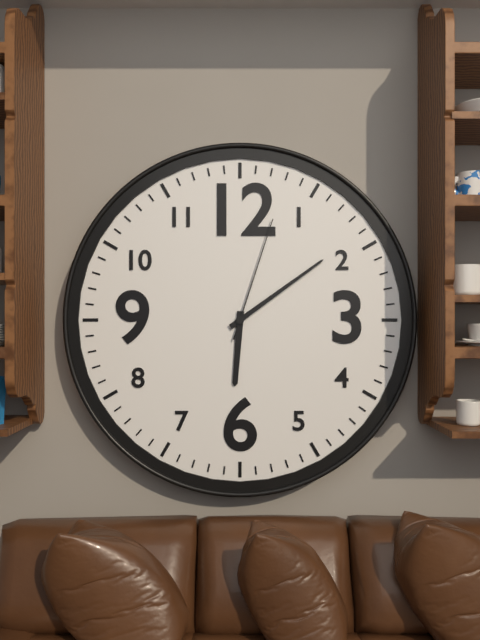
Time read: 6:09:03
